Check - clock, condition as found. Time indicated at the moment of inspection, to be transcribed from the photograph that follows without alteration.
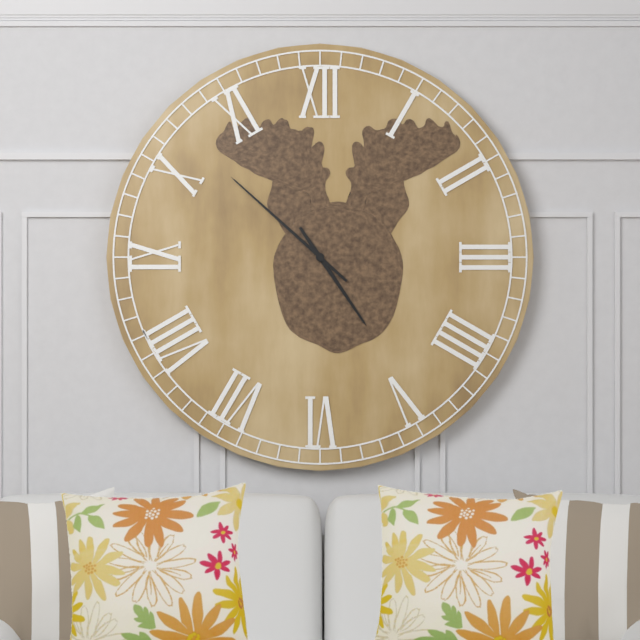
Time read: 4:52
